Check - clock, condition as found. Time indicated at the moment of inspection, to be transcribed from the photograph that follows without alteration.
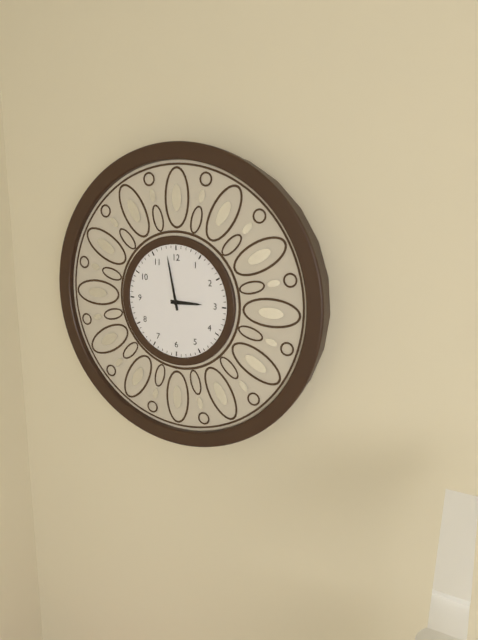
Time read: 2:58
